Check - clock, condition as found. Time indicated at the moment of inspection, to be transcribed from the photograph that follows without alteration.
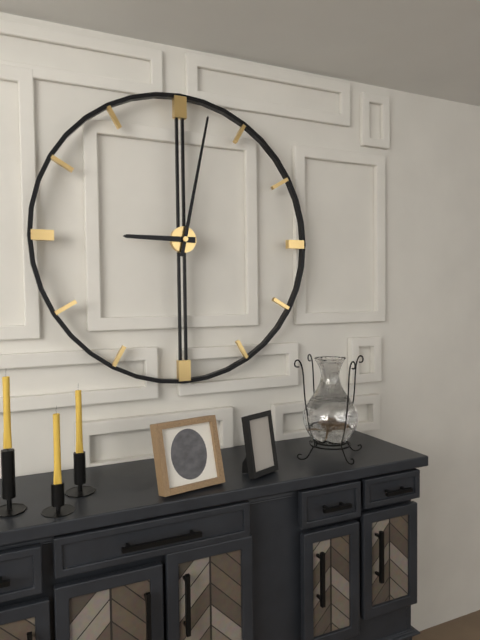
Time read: 9:02
